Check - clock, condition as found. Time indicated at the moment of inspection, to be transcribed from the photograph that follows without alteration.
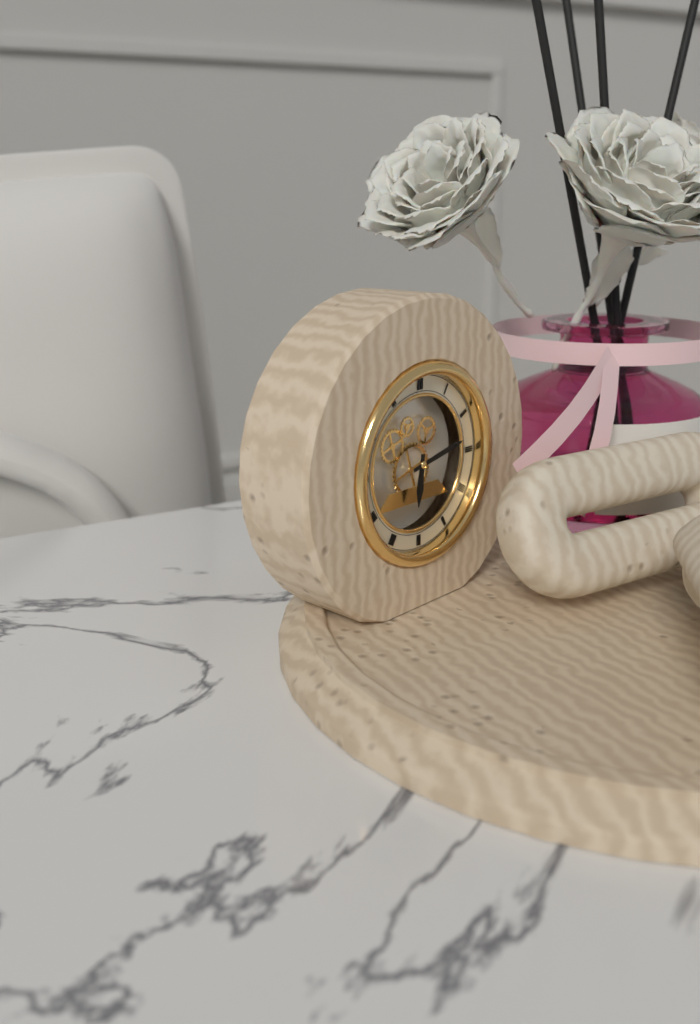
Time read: 6:13
